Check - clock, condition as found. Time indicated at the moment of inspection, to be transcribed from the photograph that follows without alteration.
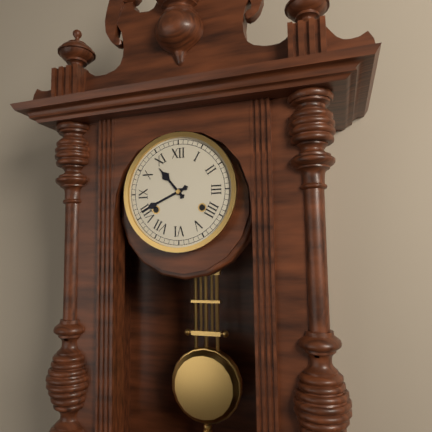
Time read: 10:41
